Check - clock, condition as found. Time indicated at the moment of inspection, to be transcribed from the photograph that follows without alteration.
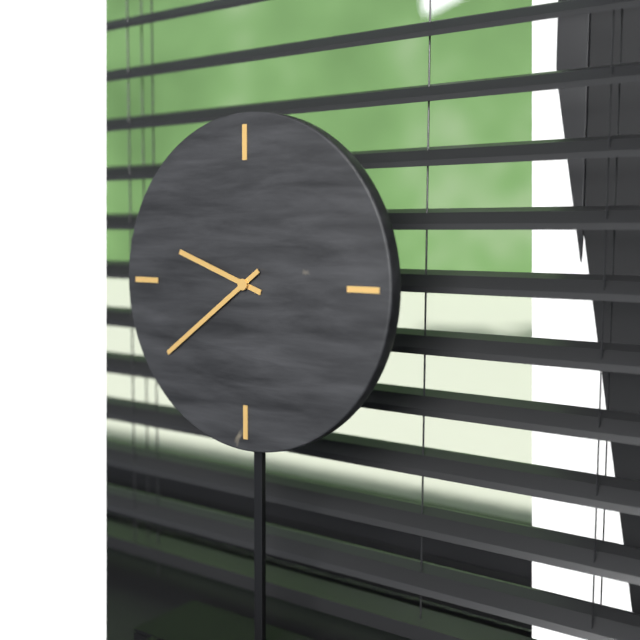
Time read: 9:39
